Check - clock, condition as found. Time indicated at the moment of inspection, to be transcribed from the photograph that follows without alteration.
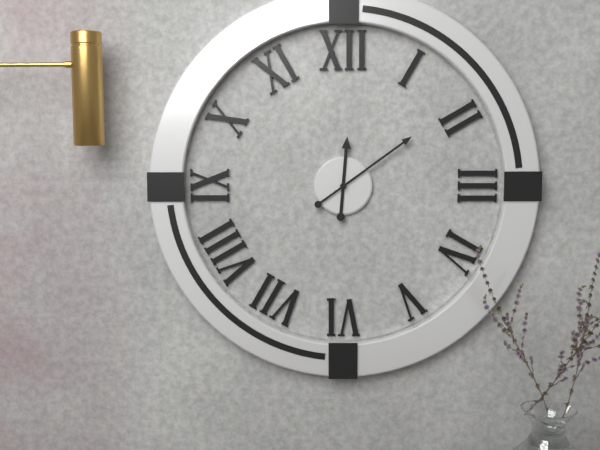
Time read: 12:09
